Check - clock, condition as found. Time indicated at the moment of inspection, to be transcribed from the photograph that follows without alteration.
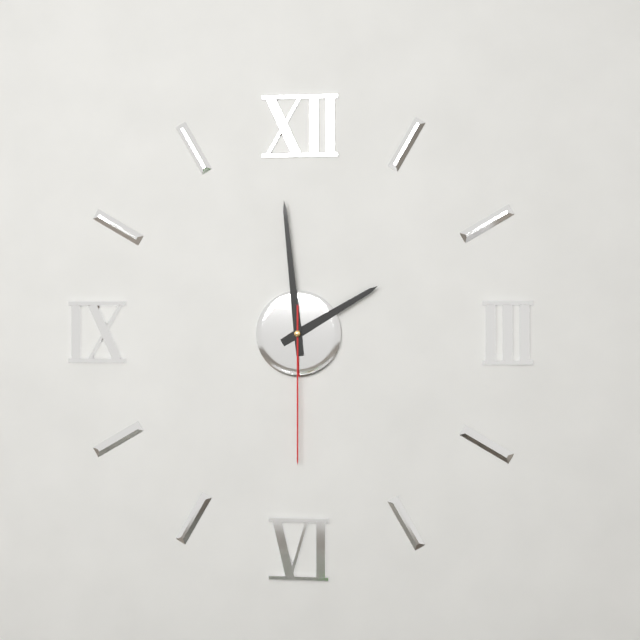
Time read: 1:59:30
